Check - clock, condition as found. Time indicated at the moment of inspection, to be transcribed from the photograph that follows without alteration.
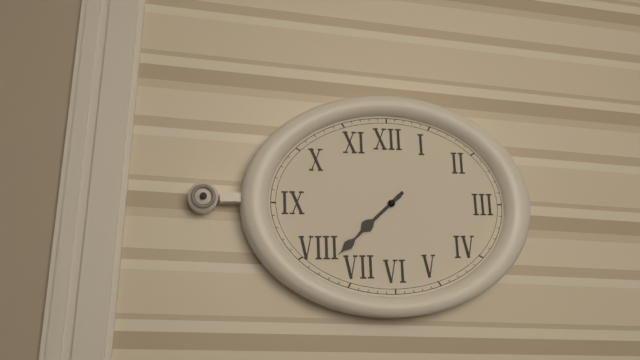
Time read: 7:38
